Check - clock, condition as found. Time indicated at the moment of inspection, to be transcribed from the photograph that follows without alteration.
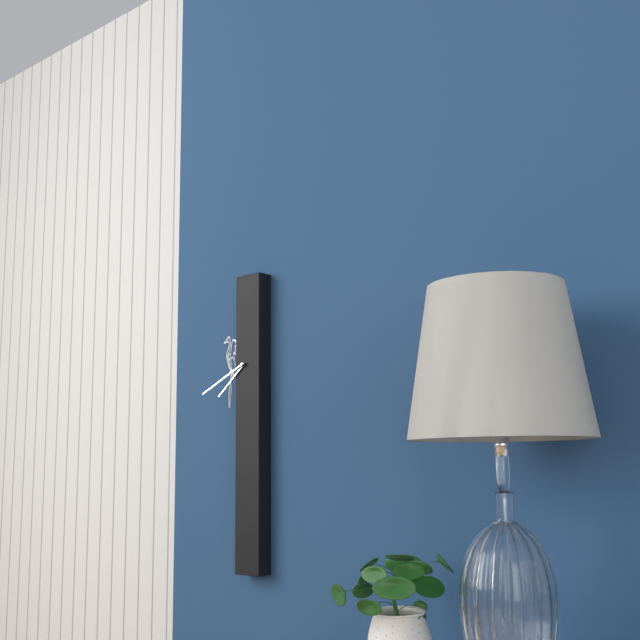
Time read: 7:41
